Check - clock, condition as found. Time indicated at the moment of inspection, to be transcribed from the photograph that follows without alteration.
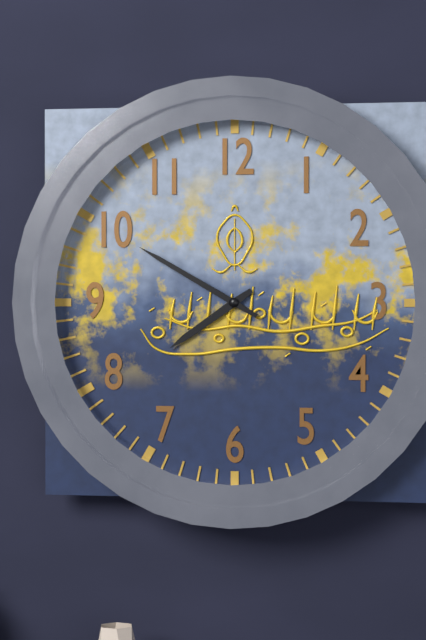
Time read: 7:50
